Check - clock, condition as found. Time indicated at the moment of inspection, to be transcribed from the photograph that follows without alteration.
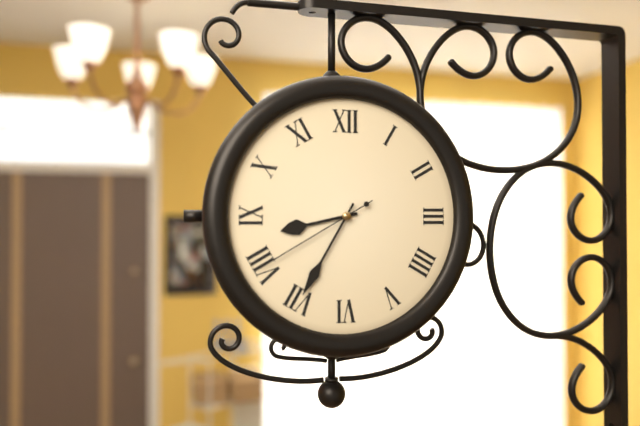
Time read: 8:35:40
